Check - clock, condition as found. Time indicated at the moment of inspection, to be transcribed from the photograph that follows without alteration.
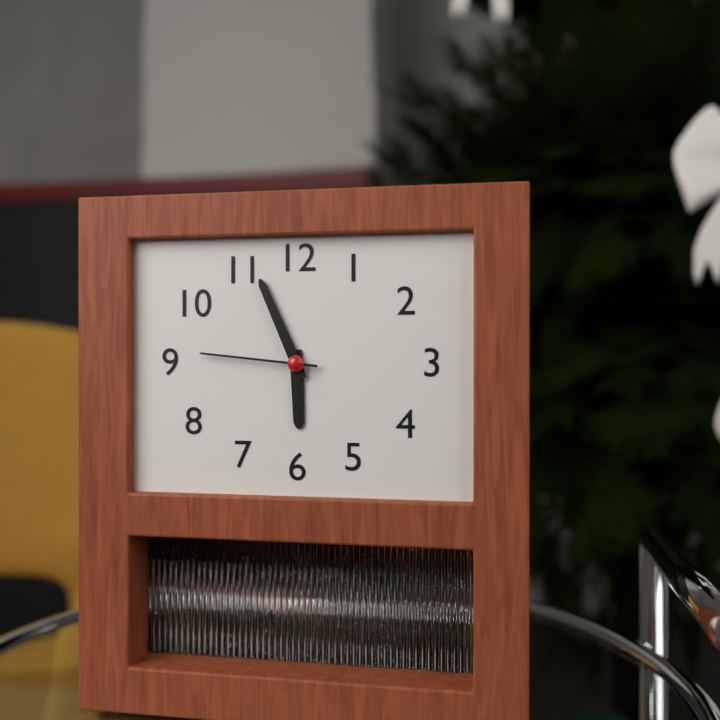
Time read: 5:56:46
